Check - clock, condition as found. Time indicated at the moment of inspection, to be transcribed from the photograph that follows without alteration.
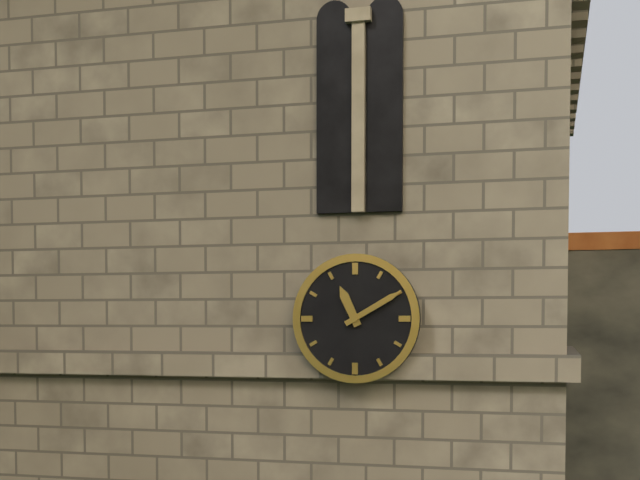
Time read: 11:10
